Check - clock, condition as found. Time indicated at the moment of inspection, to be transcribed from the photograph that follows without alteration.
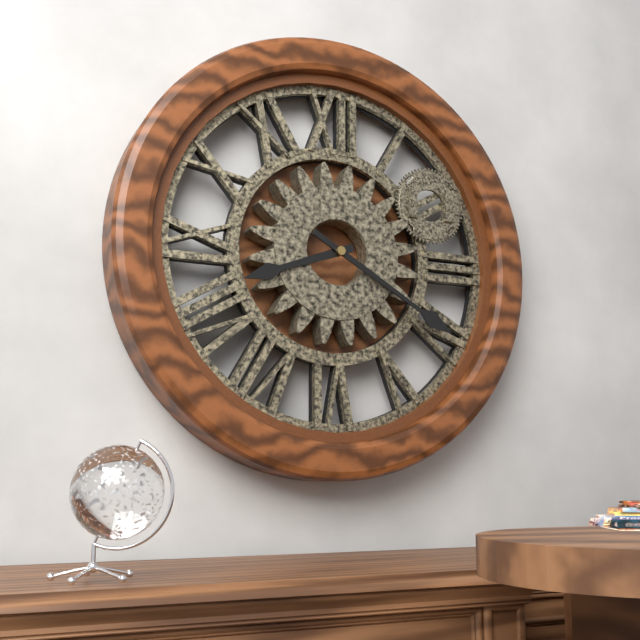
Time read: 8:20
